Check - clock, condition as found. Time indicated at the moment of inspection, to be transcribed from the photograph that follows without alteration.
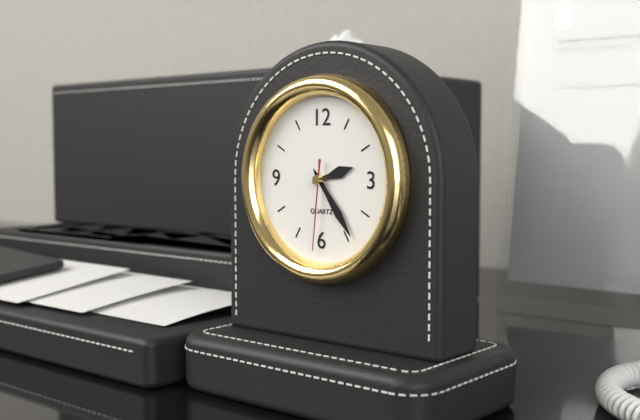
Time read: 2:24:31
